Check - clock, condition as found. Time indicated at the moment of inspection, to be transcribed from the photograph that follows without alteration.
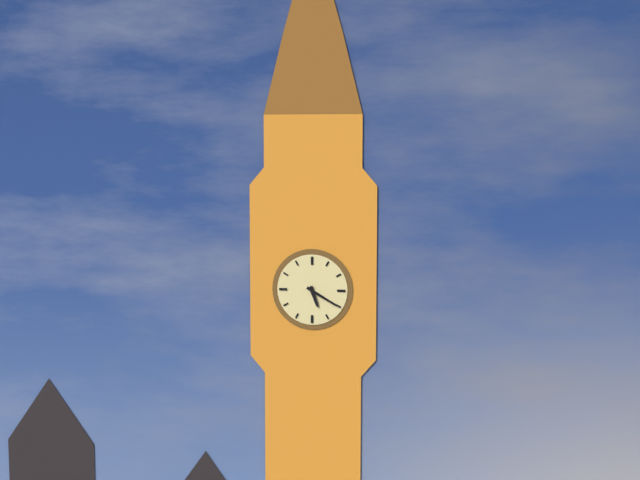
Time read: 5:20
